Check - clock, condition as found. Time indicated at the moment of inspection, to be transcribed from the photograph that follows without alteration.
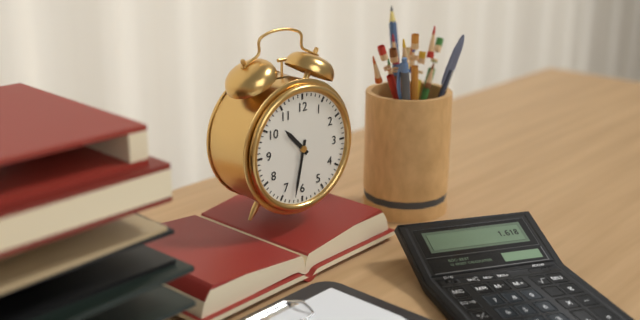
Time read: 10:32
